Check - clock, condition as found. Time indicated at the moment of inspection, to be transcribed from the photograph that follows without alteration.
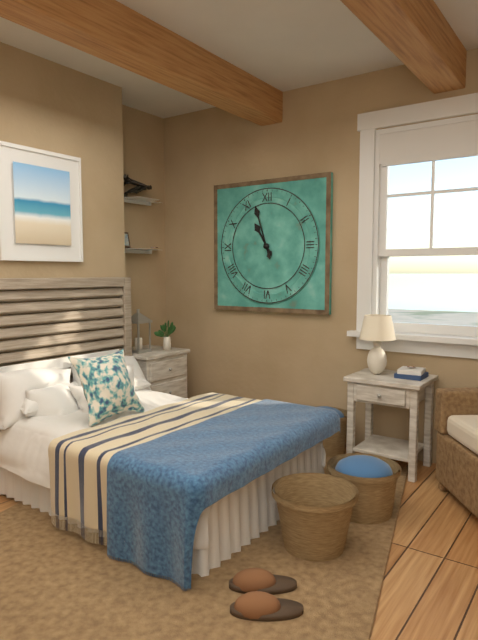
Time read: 10:57
